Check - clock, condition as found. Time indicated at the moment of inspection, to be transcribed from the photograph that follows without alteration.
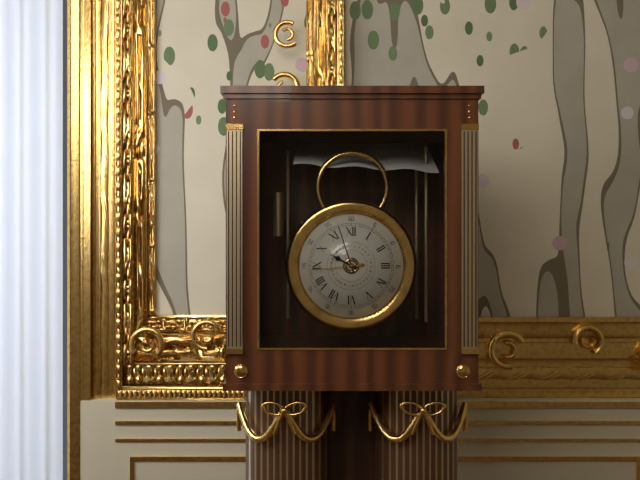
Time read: 9:57:44
